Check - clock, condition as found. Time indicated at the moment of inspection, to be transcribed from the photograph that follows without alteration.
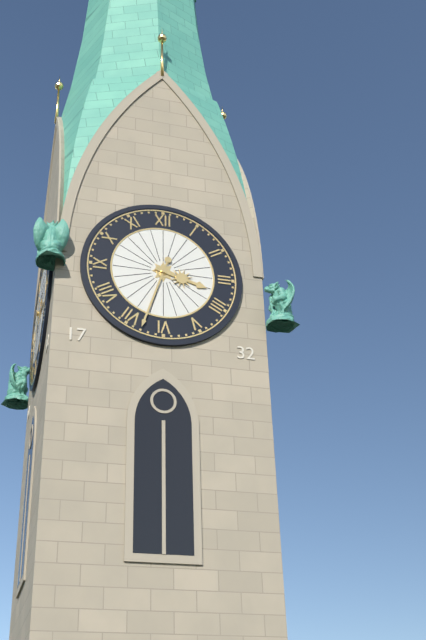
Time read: 3:33
